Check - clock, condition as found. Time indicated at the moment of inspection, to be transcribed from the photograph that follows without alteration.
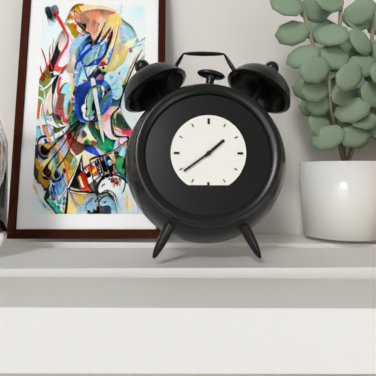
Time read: 1:39
